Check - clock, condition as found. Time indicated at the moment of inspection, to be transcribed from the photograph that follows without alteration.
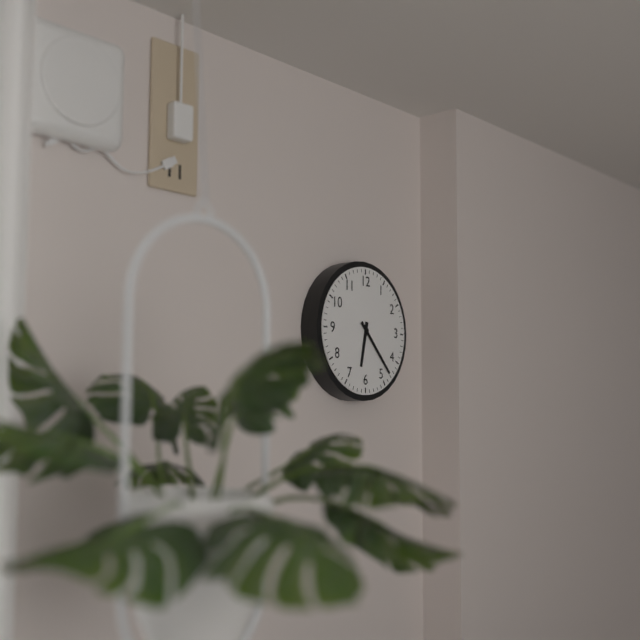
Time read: 6:23
